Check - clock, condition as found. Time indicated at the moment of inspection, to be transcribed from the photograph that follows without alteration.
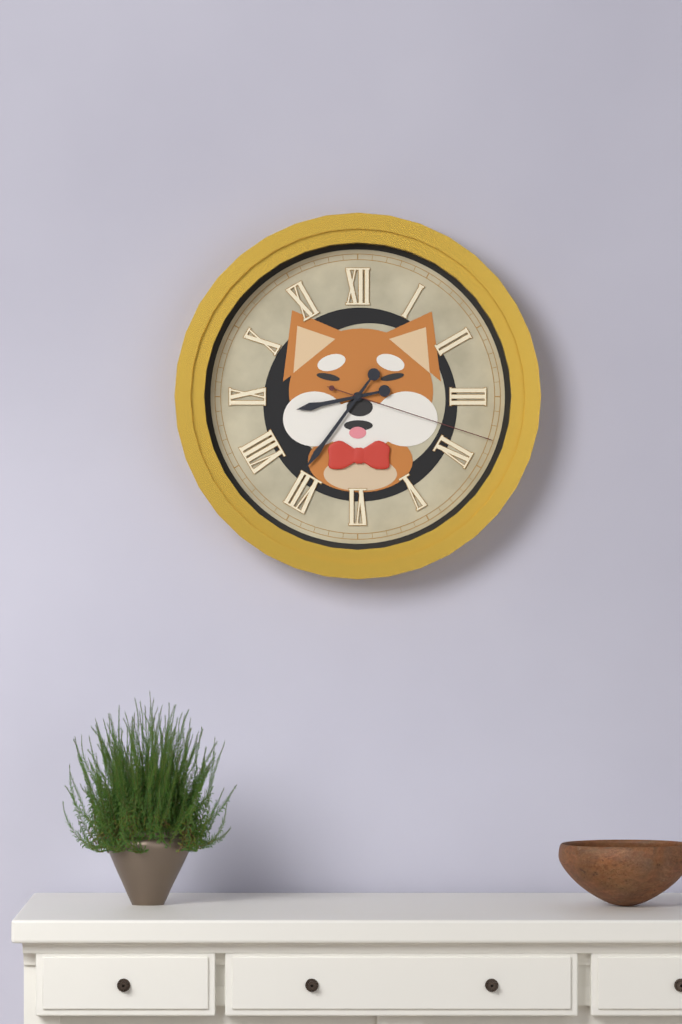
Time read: 8:36:18
